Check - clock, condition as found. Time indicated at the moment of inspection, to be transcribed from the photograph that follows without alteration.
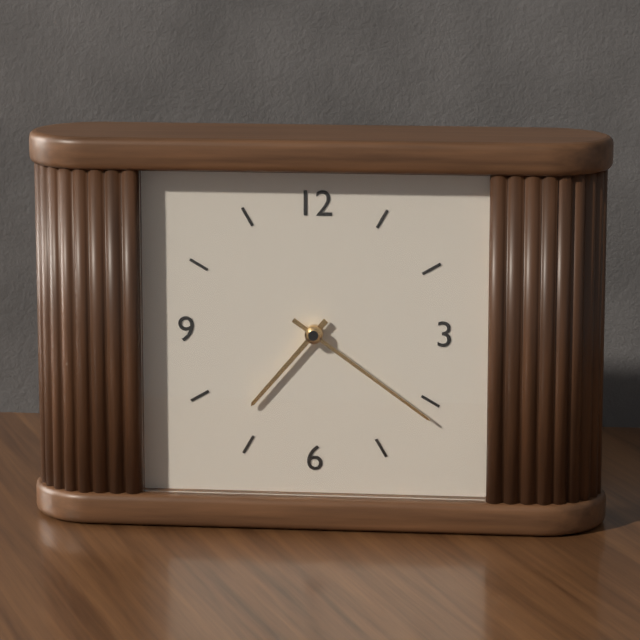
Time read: 7:21
